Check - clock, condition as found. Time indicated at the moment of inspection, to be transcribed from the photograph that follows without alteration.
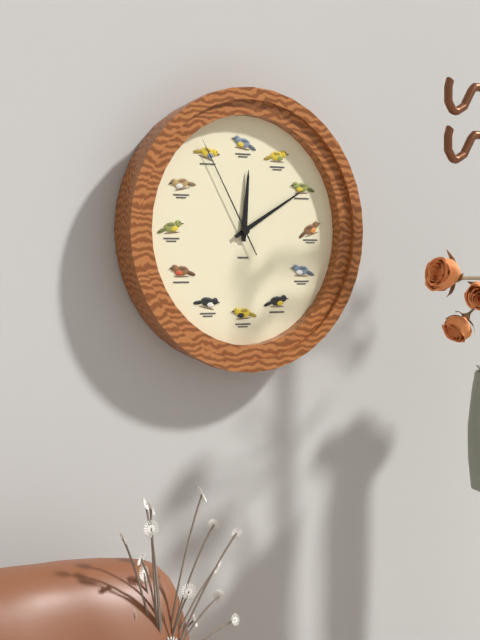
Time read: 12:10:55
